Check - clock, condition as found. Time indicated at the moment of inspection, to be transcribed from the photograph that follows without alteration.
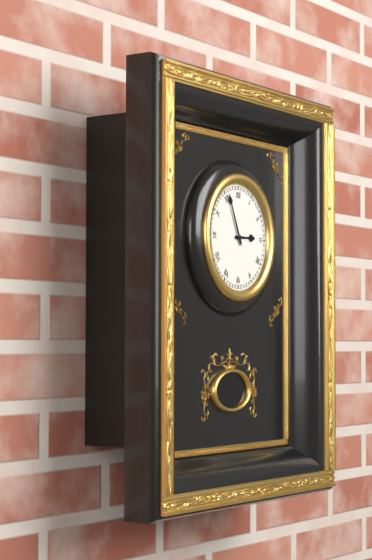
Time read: 2:56
